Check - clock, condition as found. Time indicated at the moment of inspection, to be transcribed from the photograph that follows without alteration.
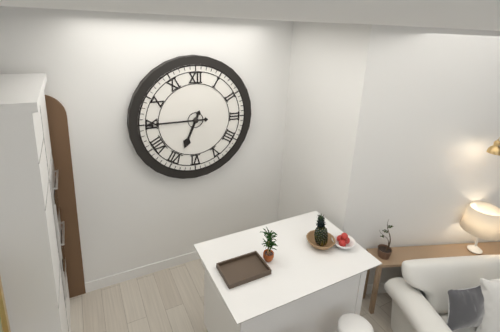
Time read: 6:45
